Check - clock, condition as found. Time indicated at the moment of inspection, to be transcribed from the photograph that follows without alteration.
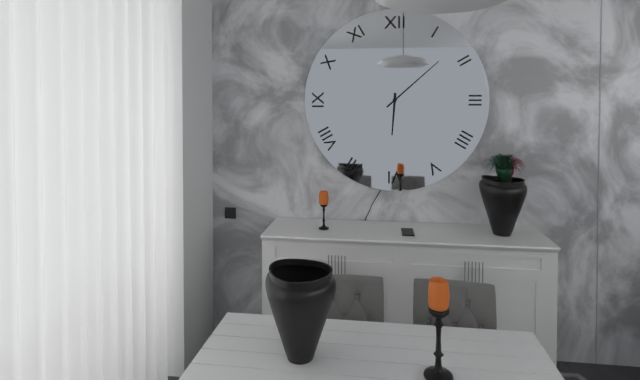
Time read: 6:08
